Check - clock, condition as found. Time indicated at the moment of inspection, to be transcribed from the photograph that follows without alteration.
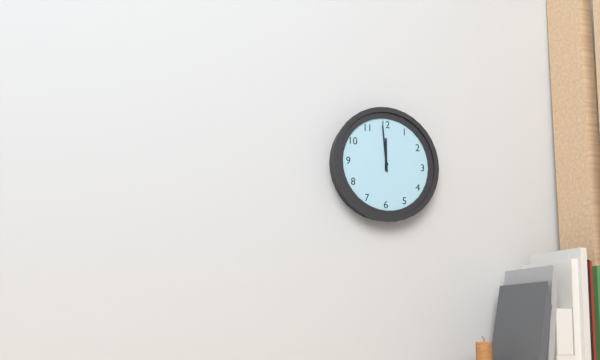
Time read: 11:59
